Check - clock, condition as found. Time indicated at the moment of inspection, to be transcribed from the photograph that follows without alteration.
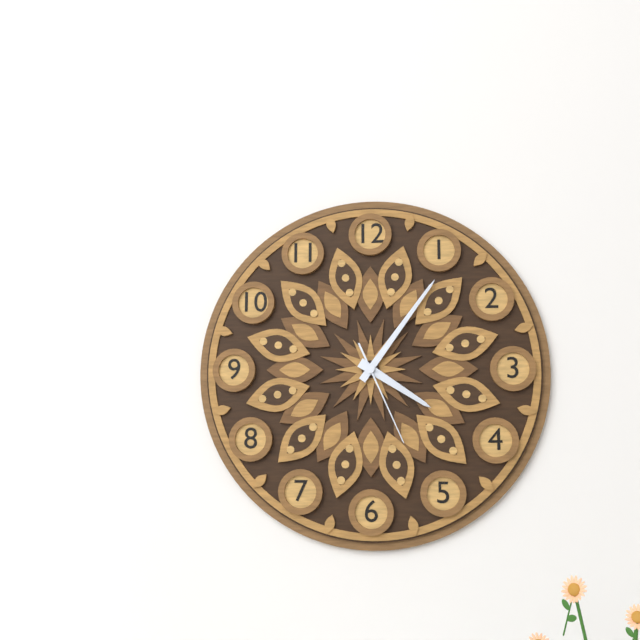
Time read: 4:06:26
